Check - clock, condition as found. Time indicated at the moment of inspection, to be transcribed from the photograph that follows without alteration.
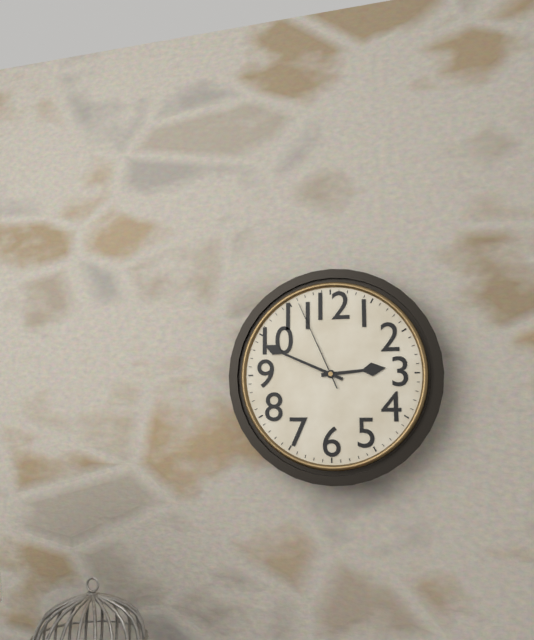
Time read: 2:49:56
